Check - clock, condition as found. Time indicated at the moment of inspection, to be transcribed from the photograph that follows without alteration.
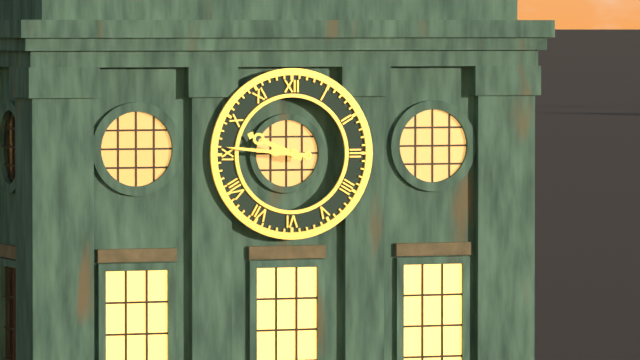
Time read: 9:46
